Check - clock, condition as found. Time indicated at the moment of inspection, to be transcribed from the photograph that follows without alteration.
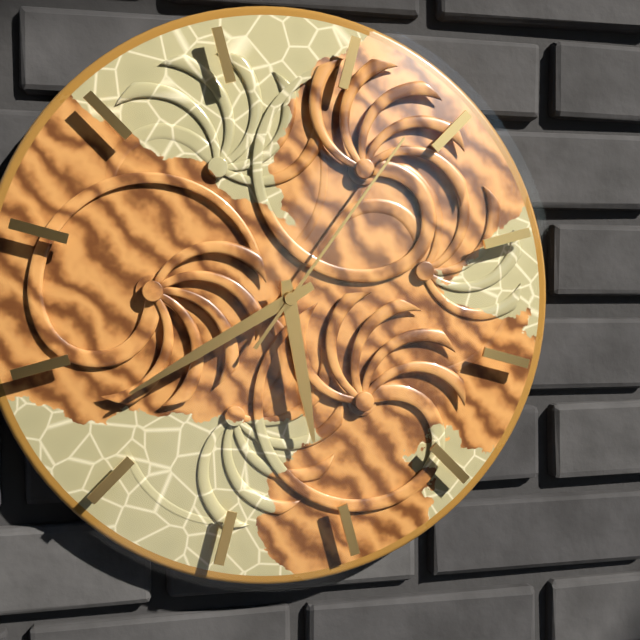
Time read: 5:40:06
